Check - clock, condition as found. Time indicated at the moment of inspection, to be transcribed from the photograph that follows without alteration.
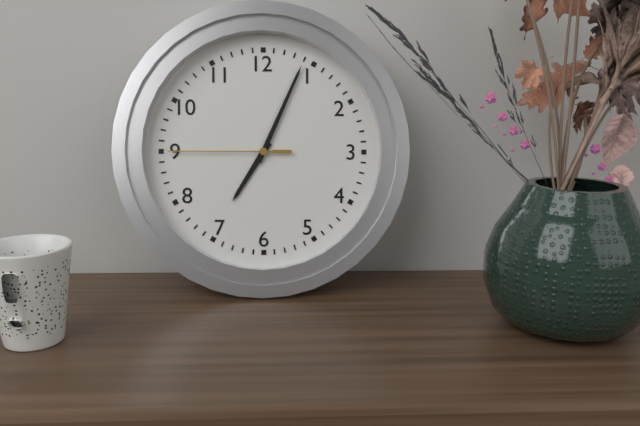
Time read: 7:04:45
